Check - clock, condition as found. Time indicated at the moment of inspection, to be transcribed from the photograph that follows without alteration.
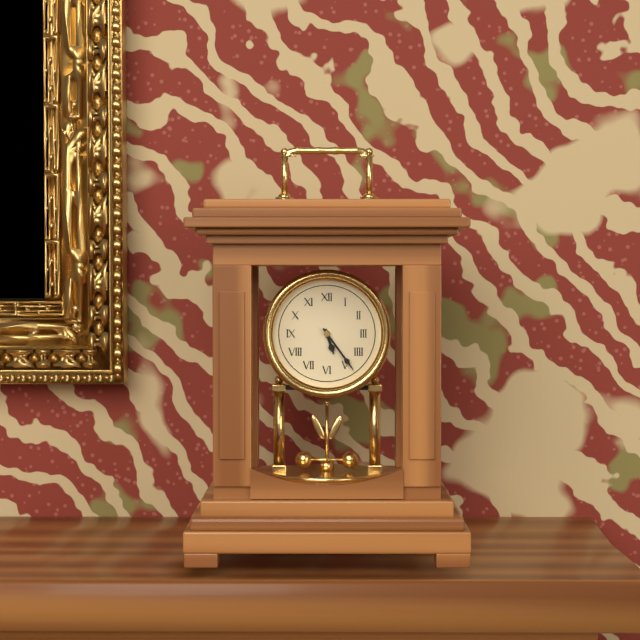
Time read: 5:24
